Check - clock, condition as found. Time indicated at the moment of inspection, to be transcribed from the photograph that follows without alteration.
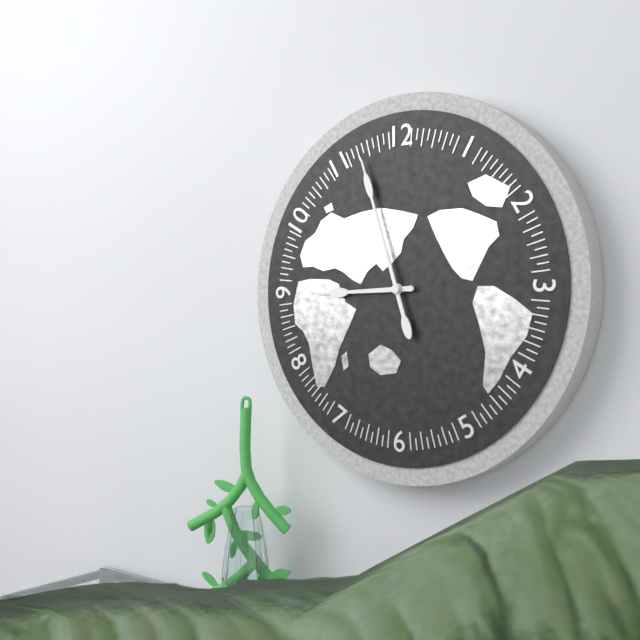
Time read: 8:57
